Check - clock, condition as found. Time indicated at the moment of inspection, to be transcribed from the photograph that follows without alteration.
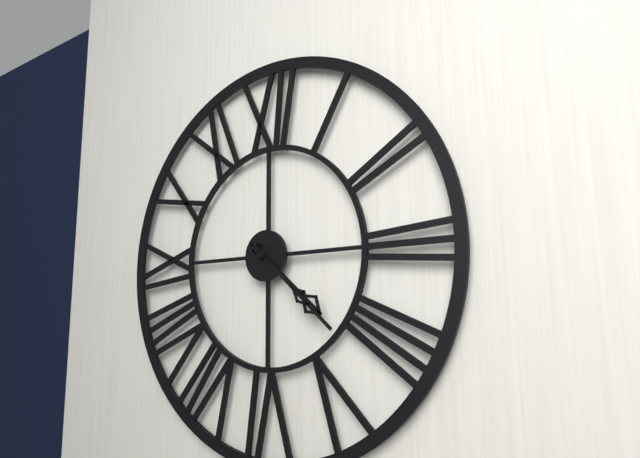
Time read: 4:22
